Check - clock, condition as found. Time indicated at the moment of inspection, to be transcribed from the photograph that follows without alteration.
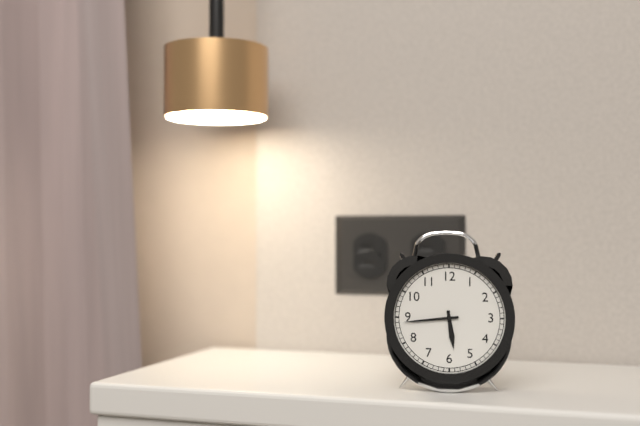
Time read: 5:44
